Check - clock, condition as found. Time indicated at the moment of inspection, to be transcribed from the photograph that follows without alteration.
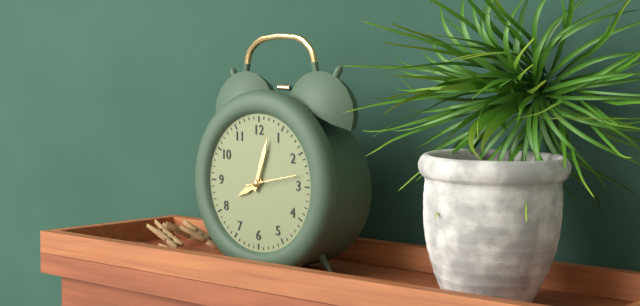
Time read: 8:03
